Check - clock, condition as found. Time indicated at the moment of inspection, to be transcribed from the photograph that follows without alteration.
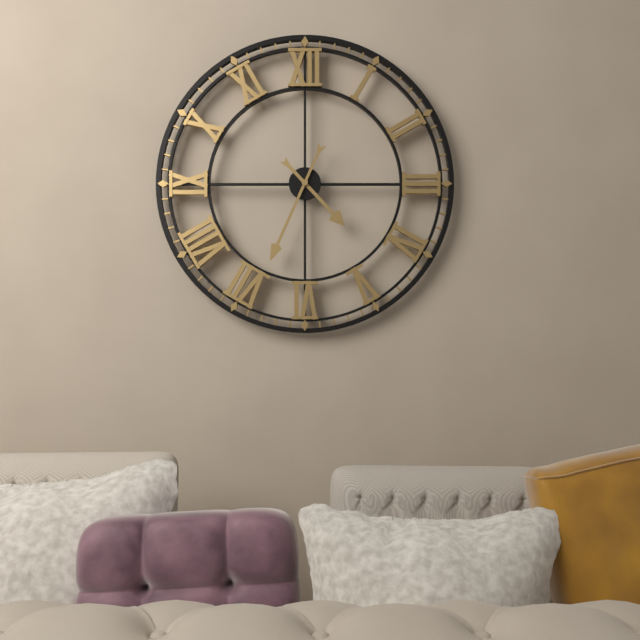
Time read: 4:34
